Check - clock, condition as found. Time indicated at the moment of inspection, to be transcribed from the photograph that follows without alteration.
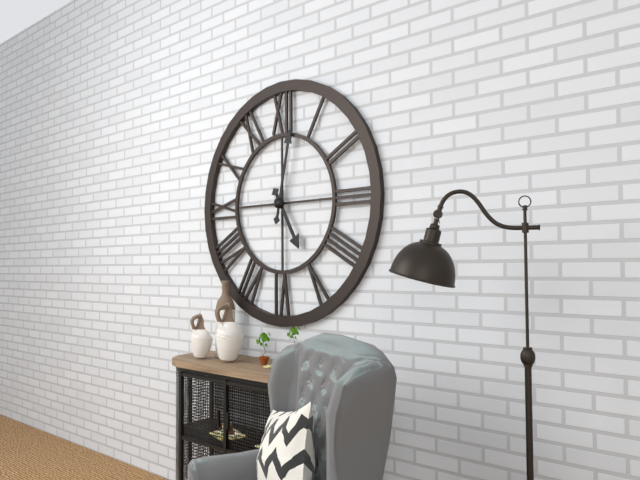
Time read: 5:02
